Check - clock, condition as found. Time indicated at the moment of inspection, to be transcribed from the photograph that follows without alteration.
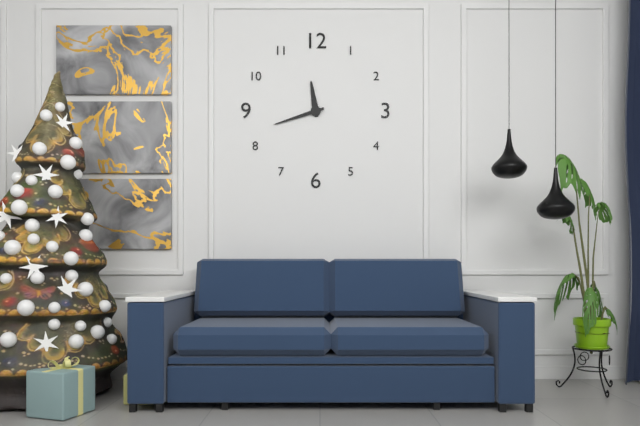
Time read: 11:42
